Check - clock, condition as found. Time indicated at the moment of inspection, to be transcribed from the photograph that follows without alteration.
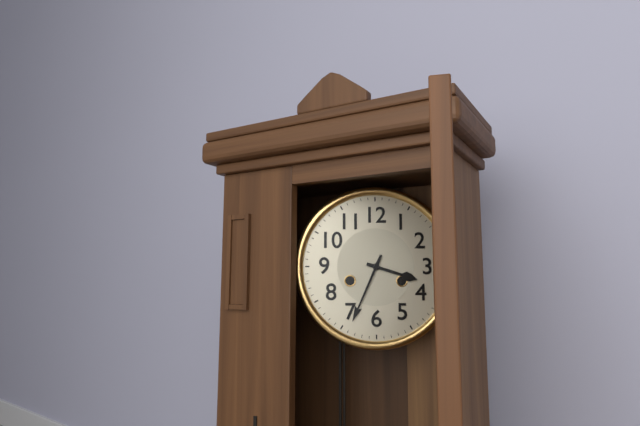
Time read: 3:34
